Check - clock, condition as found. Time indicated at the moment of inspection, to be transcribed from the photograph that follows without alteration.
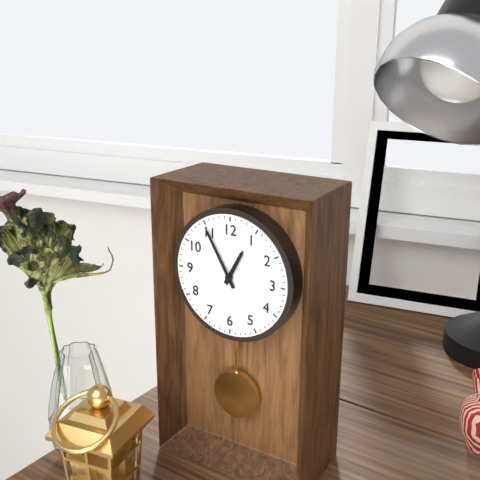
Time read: 12:55
